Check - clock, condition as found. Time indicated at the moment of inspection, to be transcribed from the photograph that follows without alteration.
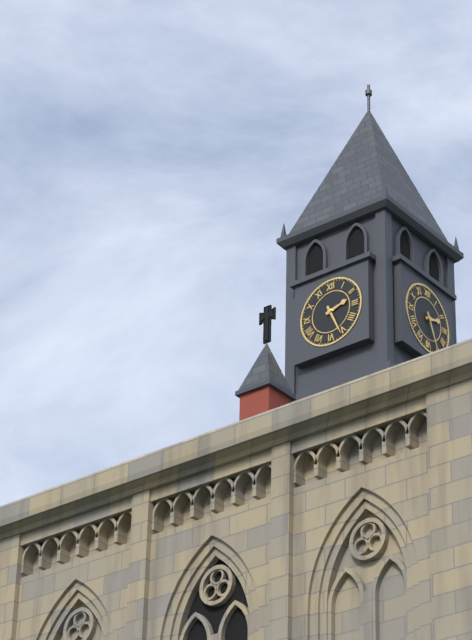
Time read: 2:26
